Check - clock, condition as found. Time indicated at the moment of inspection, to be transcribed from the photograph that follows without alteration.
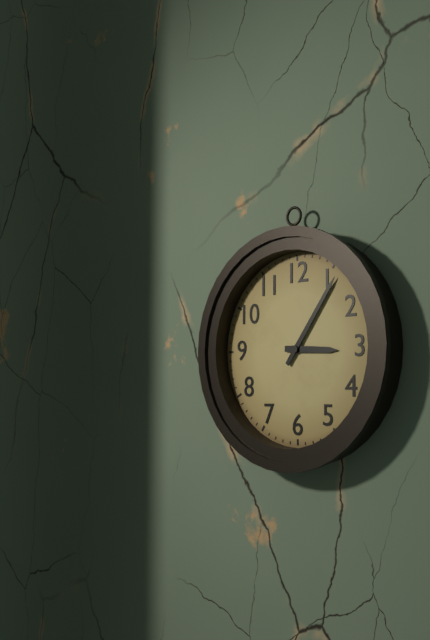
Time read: 3:06
